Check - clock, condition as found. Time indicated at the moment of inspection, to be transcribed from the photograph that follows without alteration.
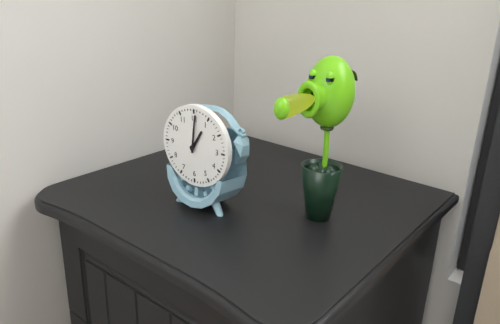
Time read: 1:01
